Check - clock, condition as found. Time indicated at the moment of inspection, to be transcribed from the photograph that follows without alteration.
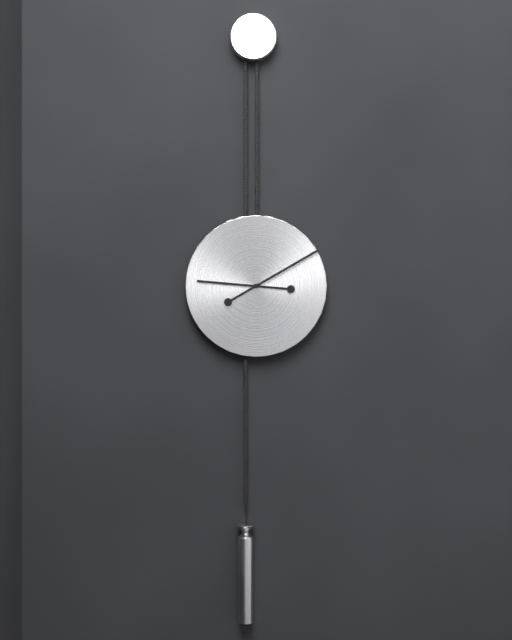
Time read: 9:10
